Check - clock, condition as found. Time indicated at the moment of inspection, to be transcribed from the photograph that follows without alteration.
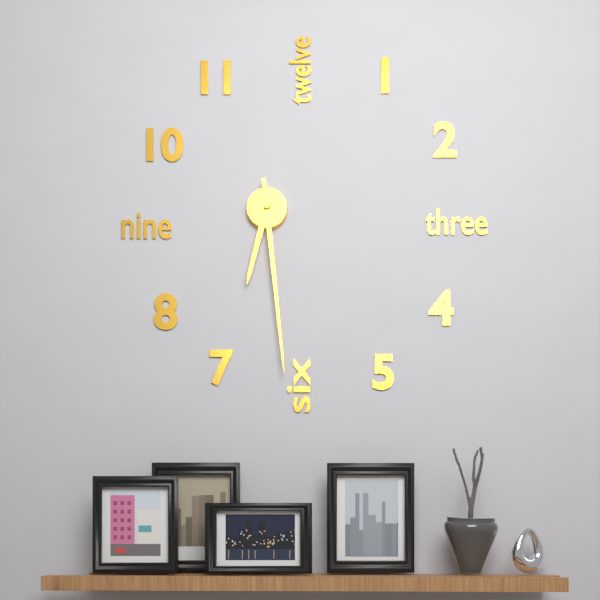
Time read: 6:29
